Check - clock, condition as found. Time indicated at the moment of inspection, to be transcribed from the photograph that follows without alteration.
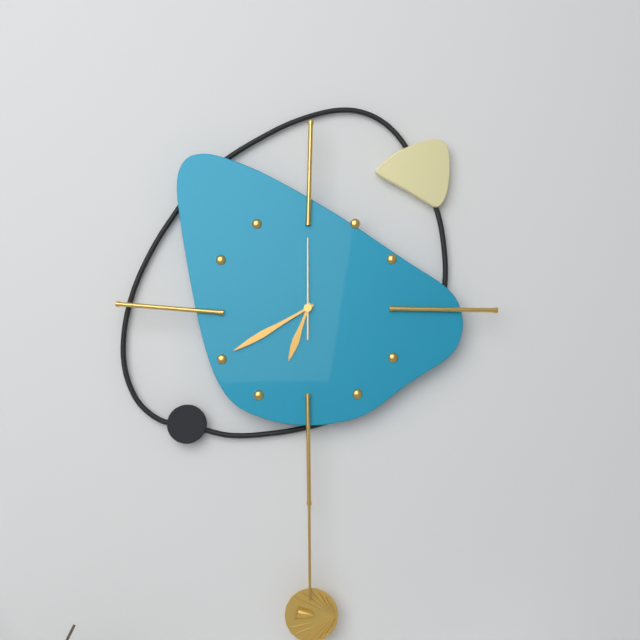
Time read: 6:40:00
